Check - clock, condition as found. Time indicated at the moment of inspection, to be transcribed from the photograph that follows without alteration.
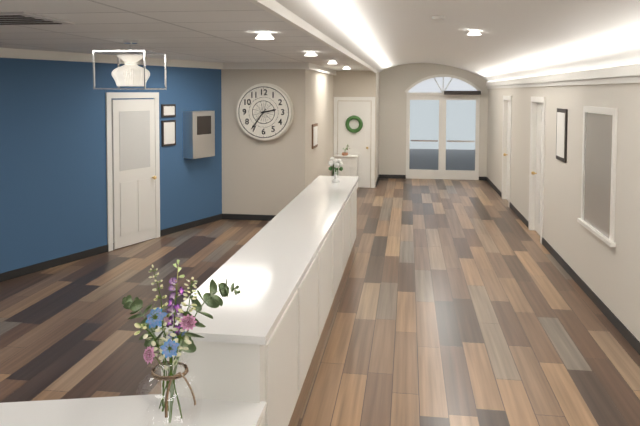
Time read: 2:36
